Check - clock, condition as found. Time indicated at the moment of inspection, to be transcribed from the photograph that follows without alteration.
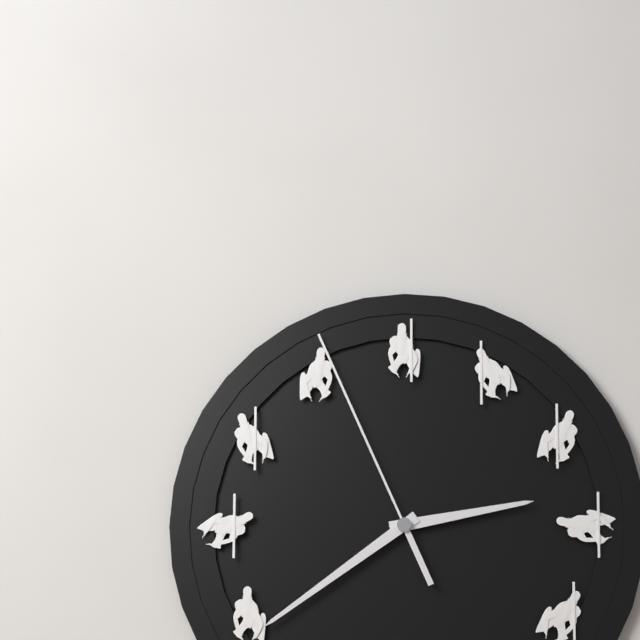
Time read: 2:39:56
